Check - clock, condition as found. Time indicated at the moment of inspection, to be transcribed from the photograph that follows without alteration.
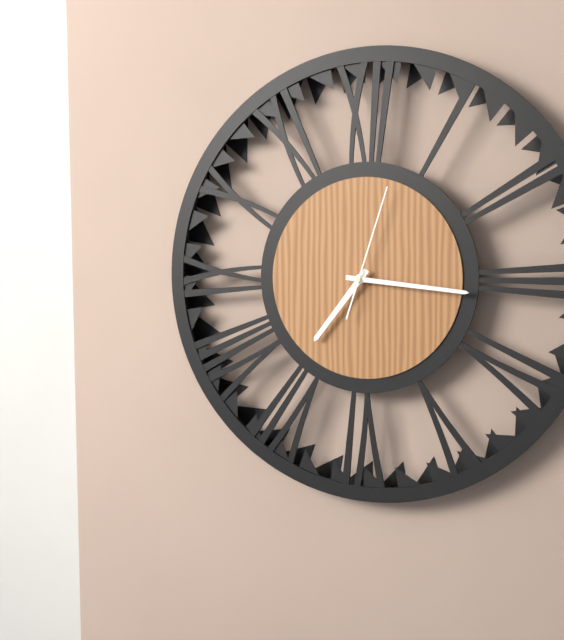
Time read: 7:16:03
